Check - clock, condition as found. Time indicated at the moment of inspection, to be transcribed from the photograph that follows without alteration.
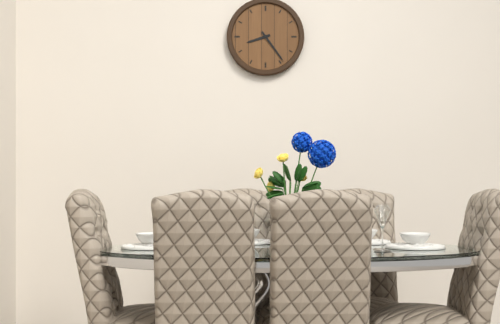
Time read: 8:24
